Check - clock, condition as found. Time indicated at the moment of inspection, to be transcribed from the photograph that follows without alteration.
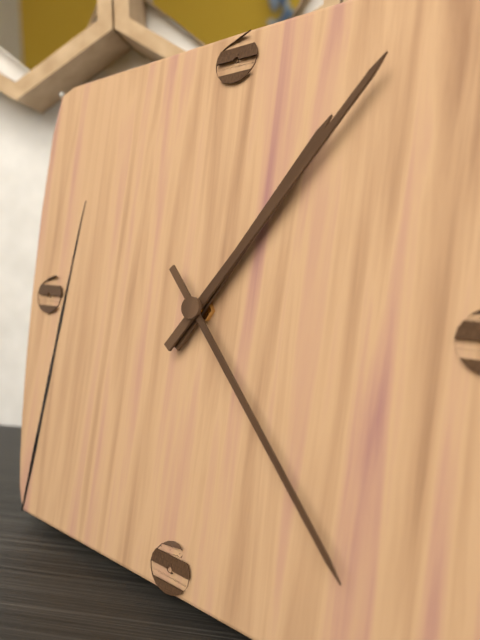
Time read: 1:06:23
